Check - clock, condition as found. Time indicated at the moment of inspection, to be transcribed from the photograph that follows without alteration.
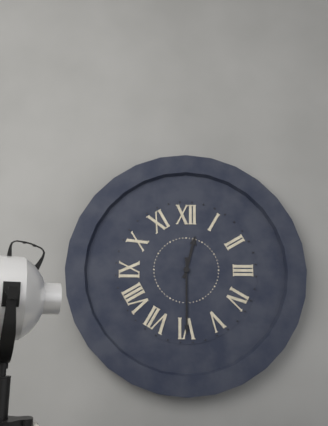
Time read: 12:30
